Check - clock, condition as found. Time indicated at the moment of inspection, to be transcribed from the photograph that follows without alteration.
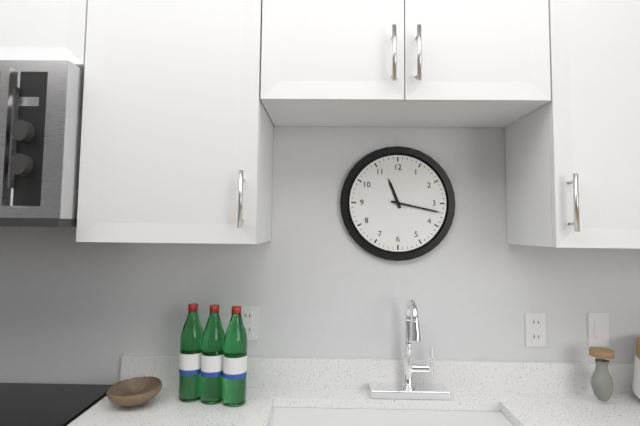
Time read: 11:17
